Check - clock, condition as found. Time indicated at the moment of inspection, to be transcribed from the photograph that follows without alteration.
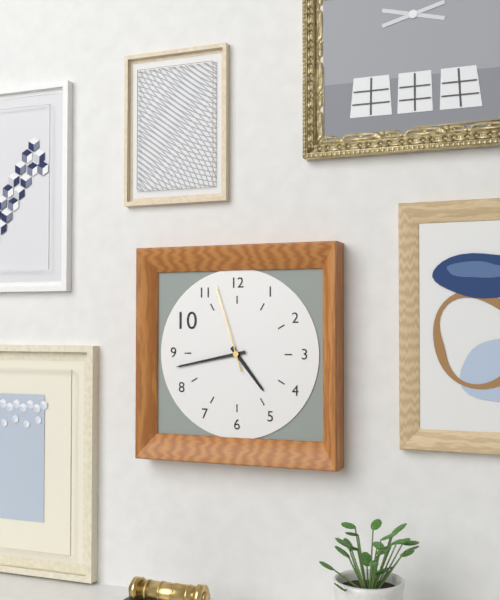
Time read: 4:43:57
